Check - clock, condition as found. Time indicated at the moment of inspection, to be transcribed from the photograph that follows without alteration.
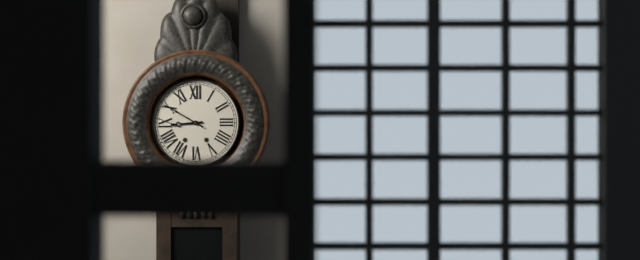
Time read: 8:50
